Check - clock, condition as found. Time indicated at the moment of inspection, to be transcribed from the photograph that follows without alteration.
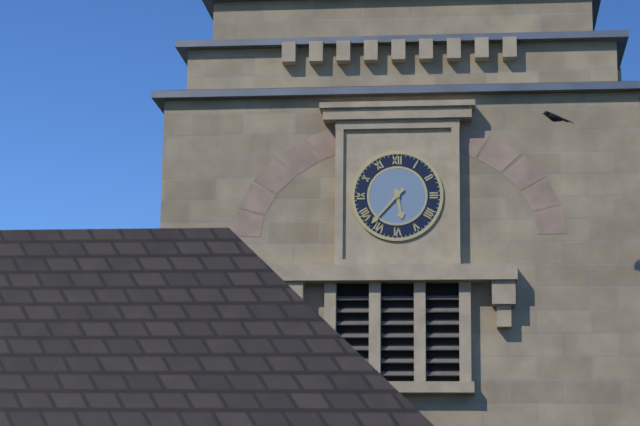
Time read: 5:37
